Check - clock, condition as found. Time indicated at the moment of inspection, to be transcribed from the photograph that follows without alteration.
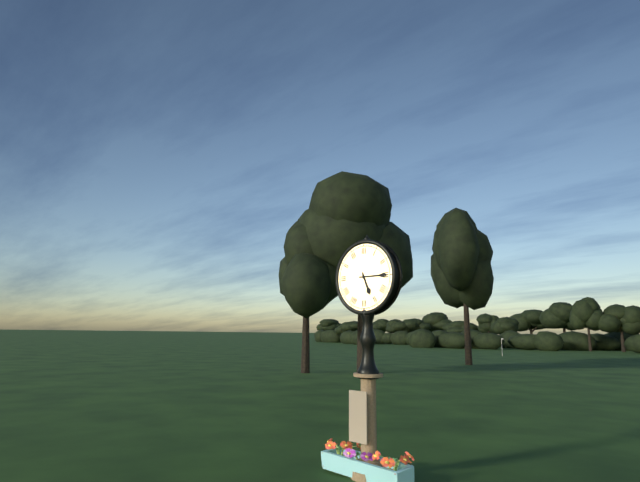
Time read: 5:15
